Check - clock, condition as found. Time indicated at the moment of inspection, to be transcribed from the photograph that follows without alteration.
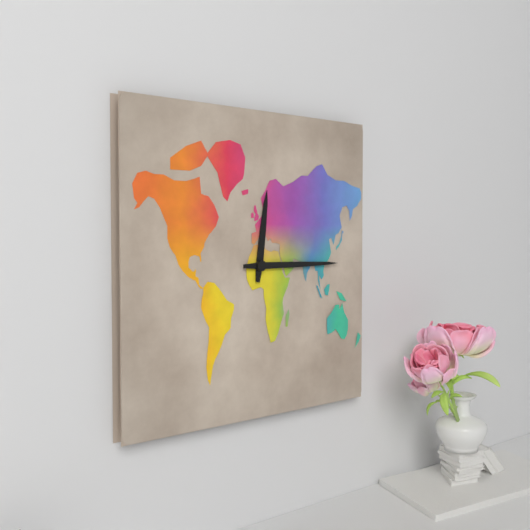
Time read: 12:15
